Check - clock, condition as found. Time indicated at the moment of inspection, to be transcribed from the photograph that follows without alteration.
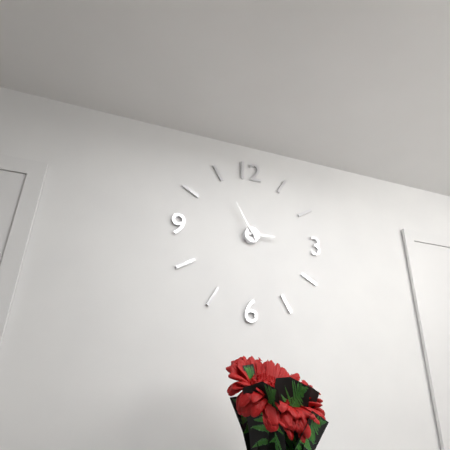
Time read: 2:55
